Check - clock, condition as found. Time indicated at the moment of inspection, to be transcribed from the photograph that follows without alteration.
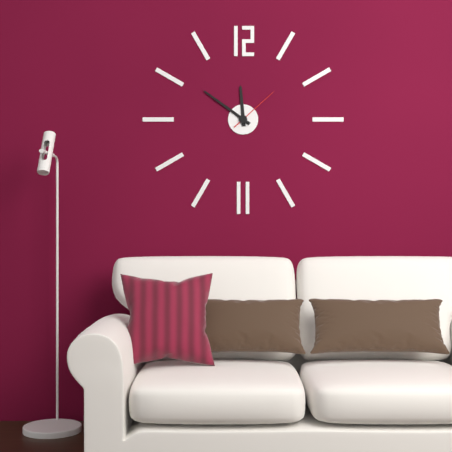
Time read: 11:51:08
